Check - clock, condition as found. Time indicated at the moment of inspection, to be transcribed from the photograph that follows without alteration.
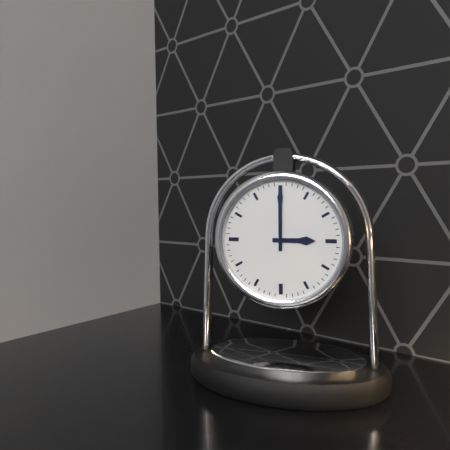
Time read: 3:00
